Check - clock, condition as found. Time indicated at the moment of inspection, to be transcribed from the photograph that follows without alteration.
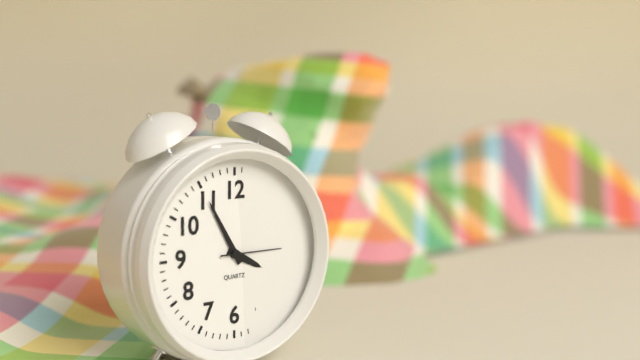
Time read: 3:55:15
